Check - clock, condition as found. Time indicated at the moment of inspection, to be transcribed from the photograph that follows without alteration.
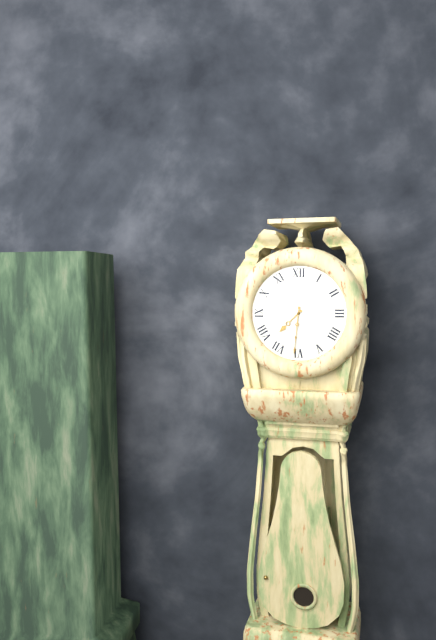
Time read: 7:31
